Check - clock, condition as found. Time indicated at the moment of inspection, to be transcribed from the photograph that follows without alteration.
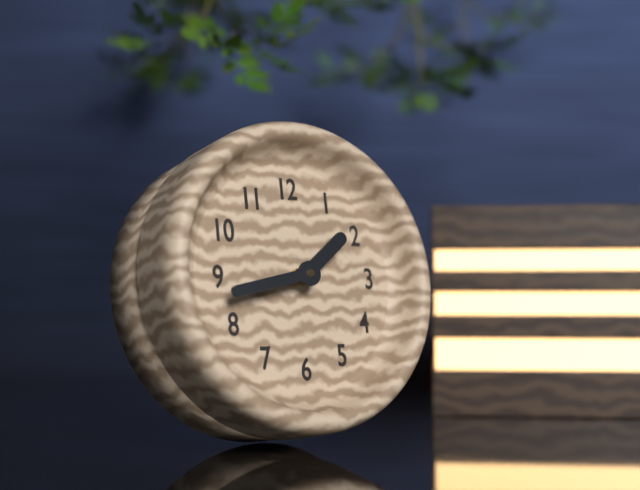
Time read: 1:43
